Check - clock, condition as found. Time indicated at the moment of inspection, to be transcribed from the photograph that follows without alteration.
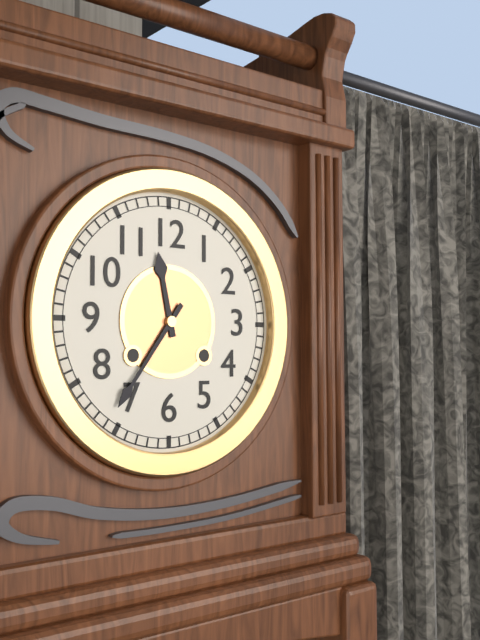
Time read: 11:36
